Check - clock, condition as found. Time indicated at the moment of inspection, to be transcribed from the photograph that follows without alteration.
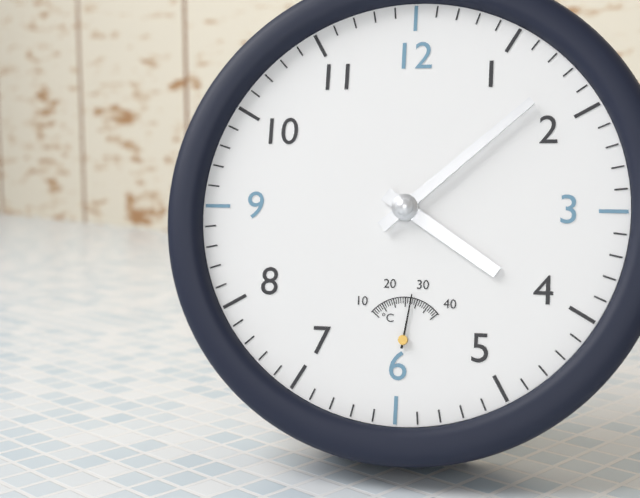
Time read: 4:08
